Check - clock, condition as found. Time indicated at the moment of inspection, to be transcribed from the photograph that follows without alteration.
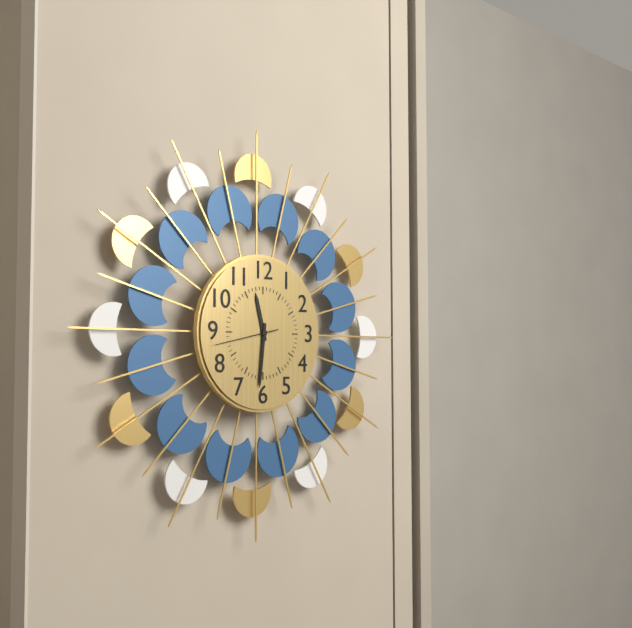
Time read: 11:31:43
